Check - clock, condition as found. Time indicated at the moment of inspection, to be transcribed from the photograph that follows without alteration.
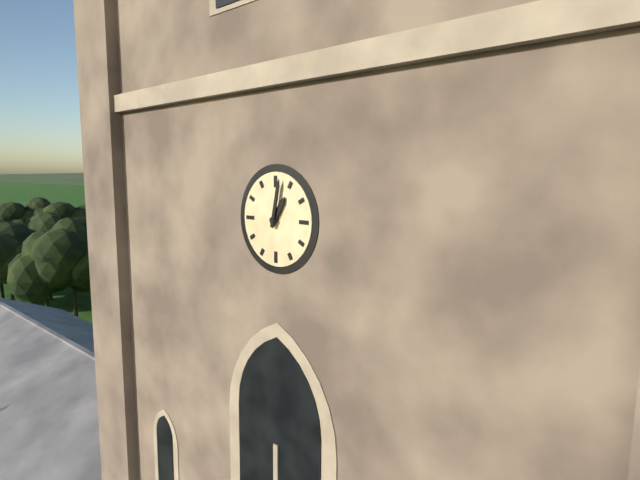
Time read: 1:02
